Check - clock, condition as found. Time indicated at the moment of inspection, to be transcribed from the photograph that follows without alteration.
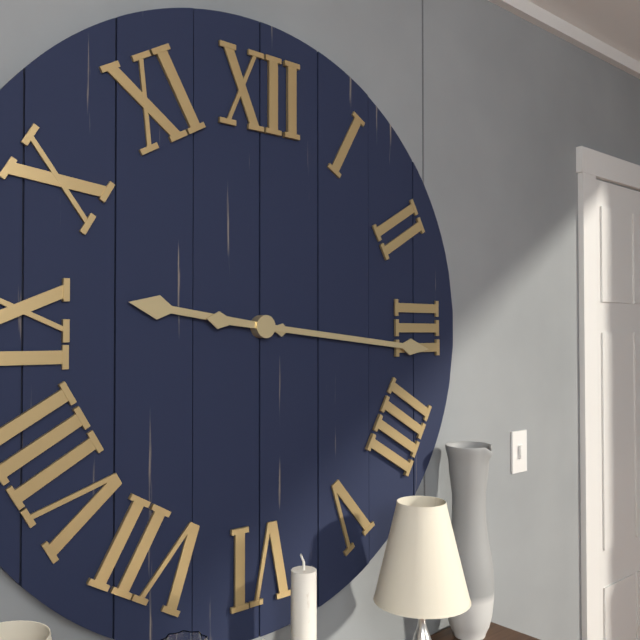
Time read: 9:16
